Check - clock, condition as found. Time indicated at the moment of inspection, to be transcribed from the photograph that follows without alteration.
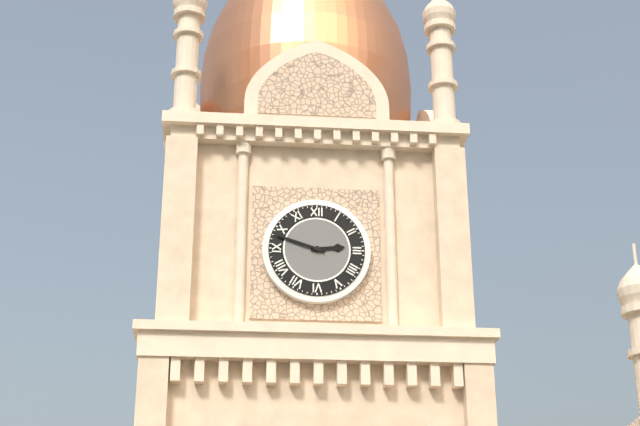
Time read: 2:48
